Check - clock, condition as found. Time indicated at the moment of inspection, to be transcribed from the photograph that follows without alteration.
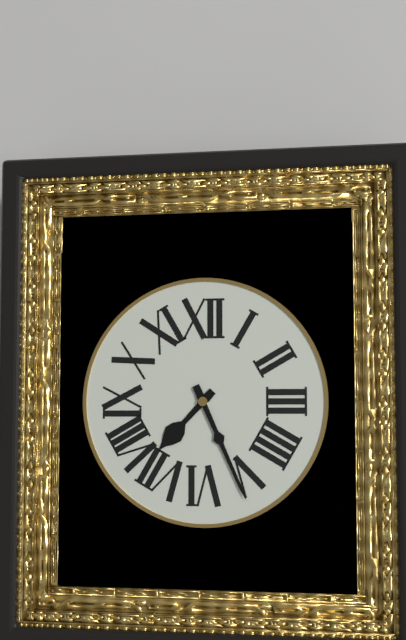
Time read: 7:26
